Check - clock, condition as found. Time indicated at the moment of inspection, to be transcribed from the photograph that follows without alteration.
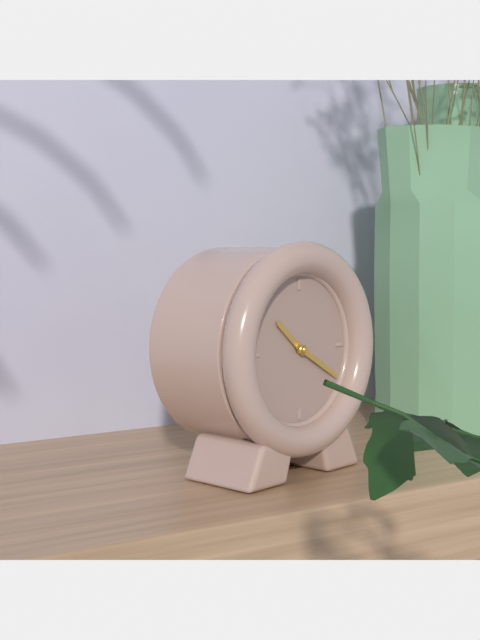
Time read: 10:20
